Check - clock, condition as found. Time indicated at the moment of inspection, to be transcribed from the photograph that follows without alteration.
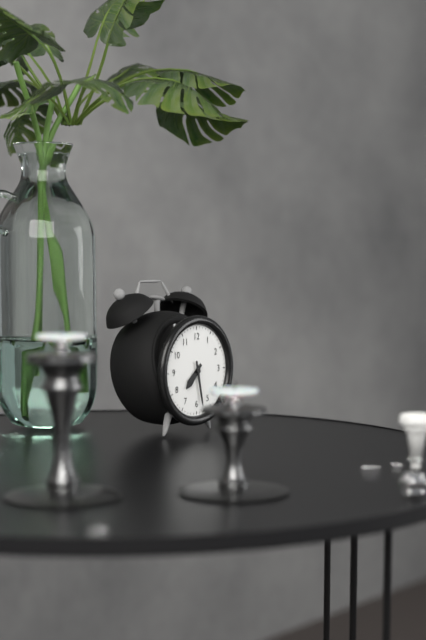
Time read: 7:28
